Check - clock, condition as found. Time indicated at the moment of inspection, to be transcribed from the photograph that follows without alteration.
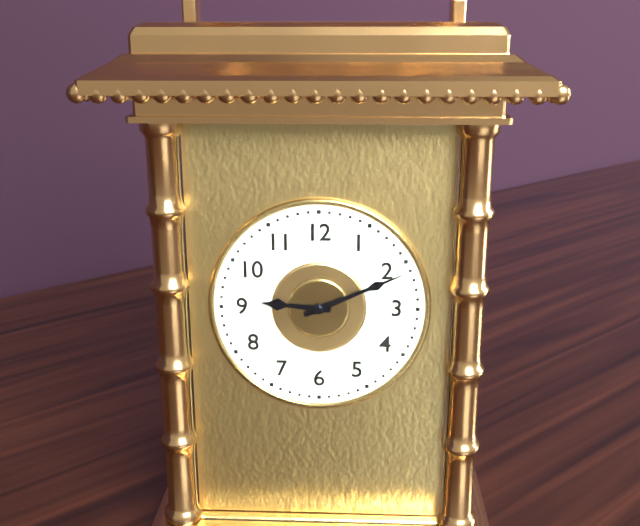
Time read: 9:11
